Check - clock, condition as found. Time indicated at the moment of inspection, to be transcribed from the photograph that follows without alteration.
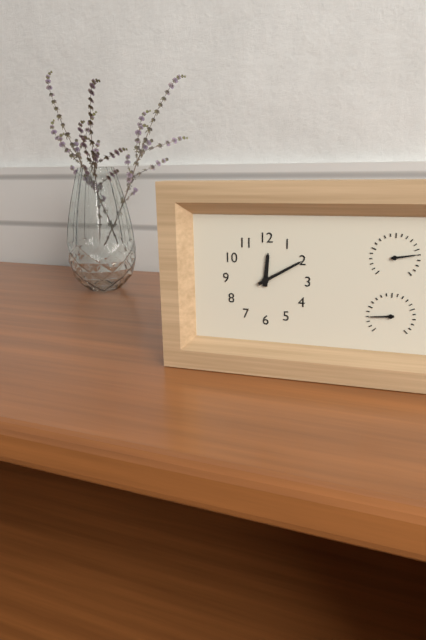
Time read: 12:10
